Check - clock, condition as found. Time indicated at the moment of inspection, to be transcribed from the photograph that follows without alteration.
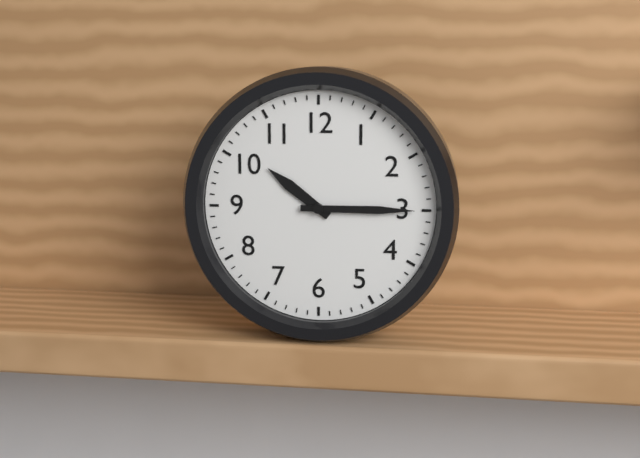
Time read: 10:15
